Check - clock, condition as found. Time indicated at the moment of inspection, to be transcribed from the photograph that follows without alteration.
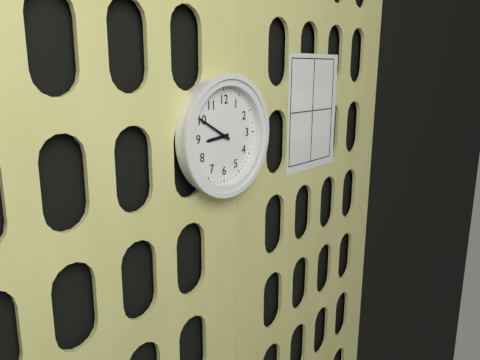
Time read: 8:50
